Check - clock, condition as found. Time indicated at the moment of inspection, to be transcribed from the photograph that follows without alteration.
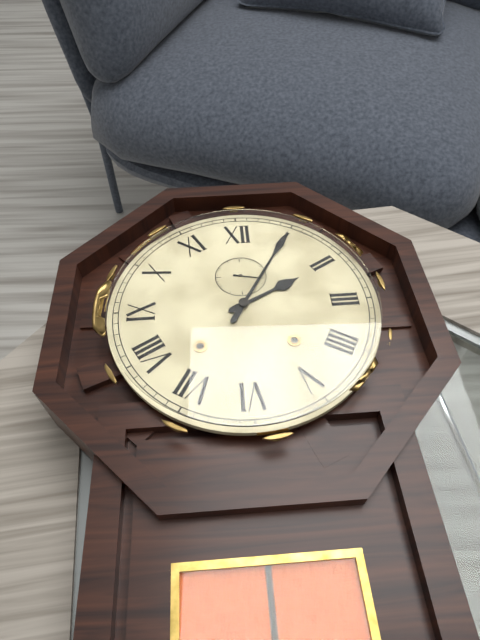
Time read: 2:05:17
